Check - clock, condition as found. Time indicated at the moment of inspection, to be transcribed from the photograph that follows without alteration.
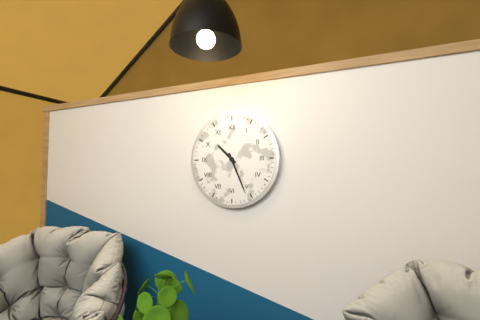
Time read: 10:26
